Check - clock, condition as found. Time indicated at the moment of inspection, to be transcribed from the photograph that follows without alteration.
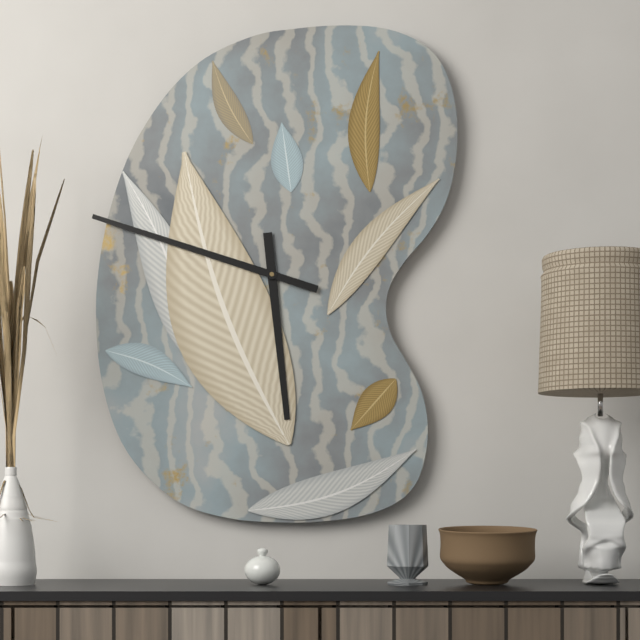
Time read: 5:48
